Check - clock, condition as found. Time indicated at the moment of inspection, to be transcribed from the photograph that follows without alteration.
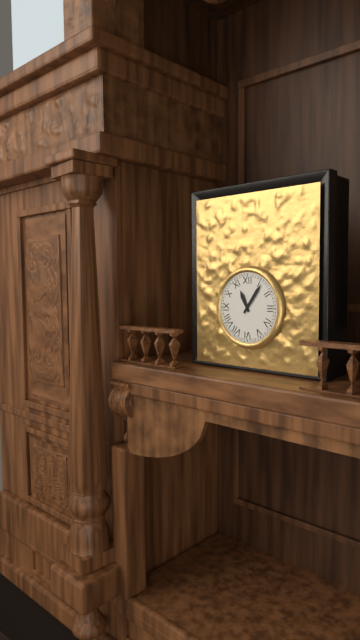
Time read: 11:06
